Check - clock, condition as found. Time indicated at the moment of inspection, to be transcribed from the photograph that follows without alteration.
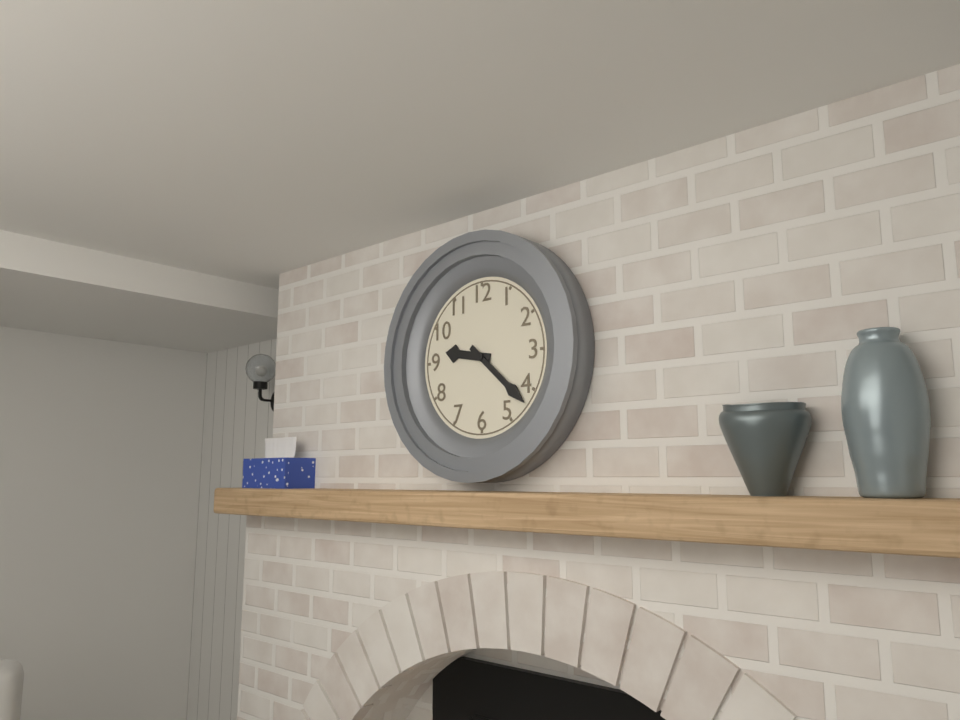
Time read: 9:22
